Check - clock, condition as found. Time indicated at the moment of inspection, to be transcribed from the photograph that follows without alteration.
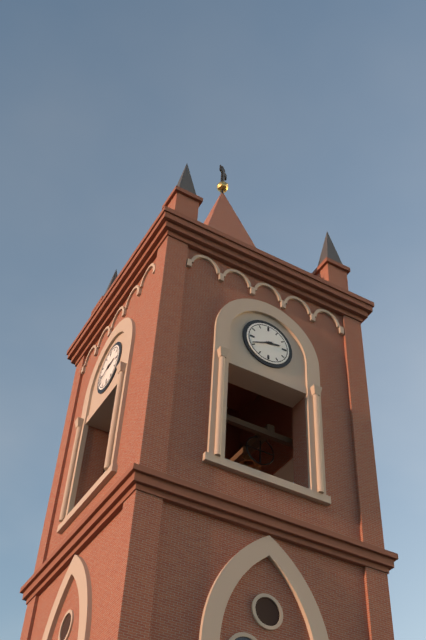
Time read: 2:41
